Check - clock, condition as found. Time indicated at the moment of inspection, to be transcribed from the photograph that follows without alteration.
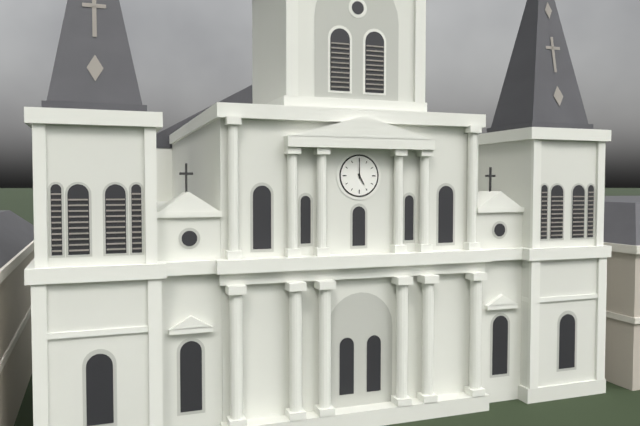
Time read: 5:00
